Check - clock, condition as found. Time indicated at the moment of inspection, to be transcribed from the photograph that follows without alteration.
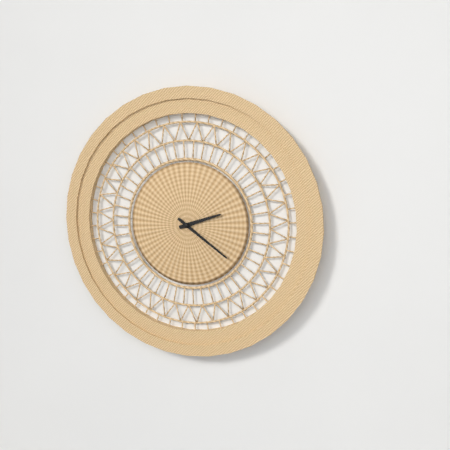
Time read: 2:21
